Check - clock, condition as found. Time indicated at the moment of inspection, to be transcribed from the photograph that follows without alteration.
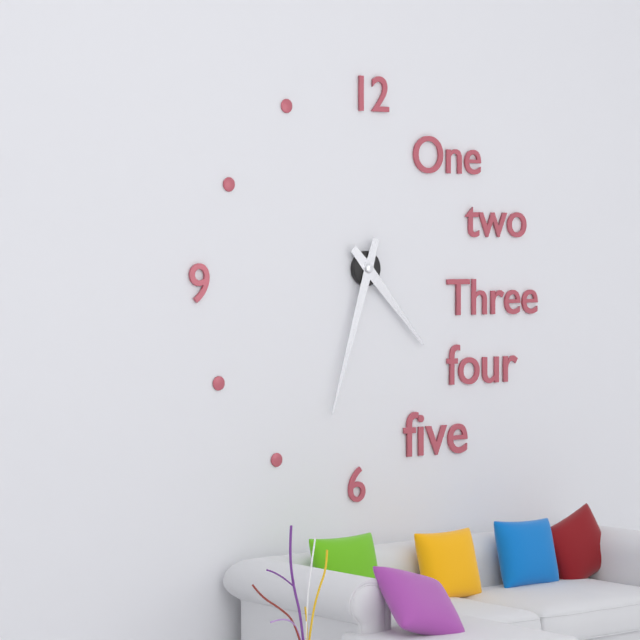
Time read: 4:33
